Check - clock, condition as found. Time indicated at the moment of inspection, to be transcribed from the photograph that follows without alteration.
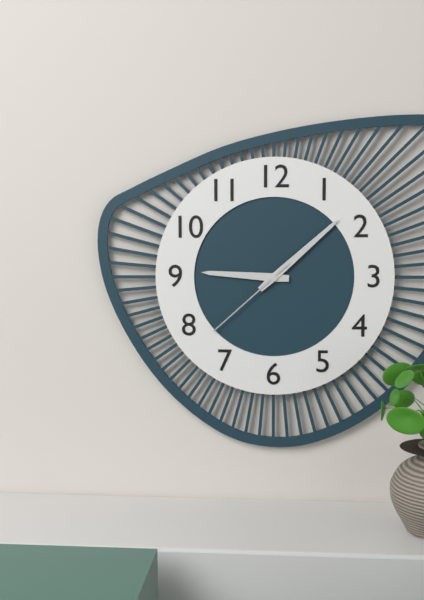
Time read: 9:08:38
